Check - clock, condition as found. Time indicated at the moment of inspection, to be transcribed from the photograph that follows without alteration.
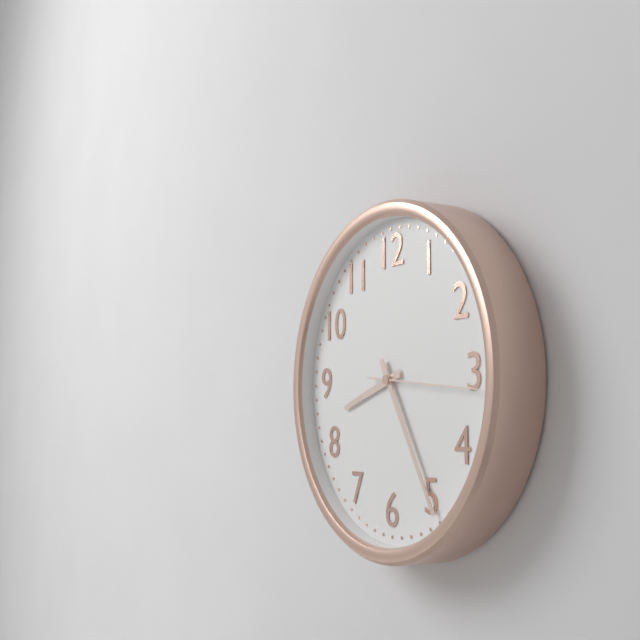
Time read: 8:25:16
